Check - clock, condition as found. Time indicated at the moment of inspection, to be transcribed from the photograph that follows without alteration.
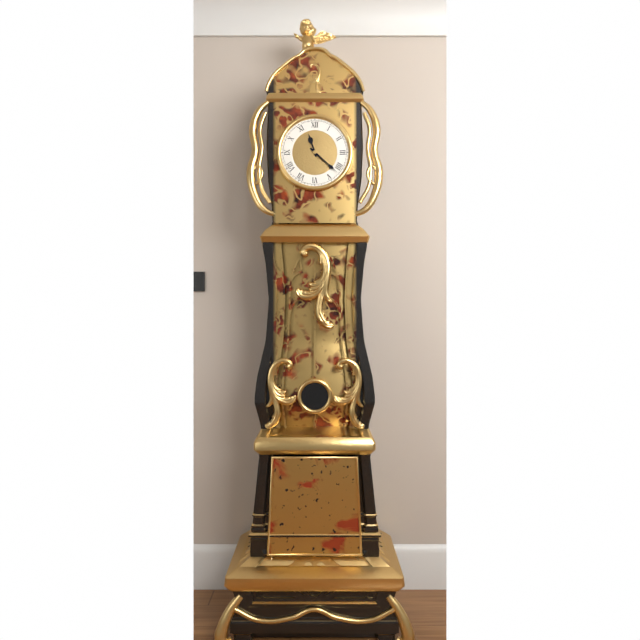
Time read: 11:22
